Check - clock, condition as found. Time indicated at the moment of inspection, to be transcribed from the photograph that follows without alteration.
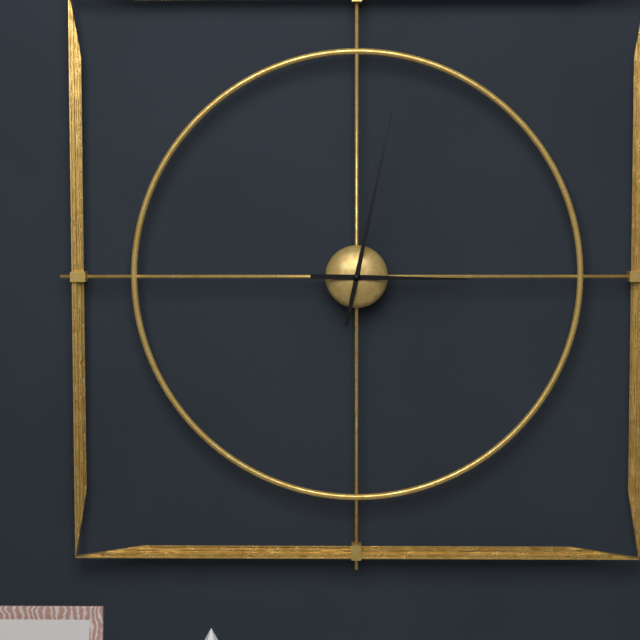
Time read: 3:02
